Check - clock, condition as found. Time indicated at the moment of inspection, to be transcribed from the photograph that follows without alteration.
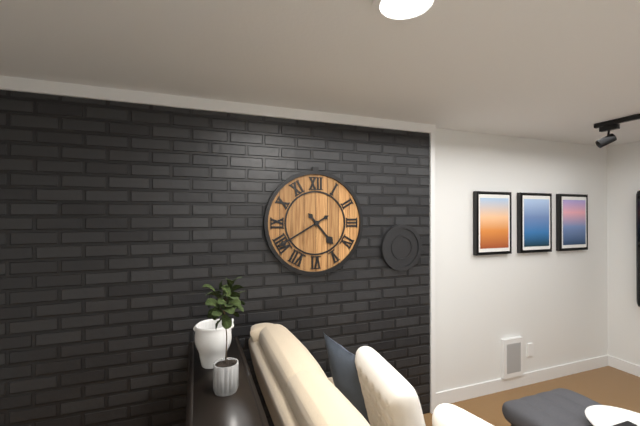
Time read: 4:40
